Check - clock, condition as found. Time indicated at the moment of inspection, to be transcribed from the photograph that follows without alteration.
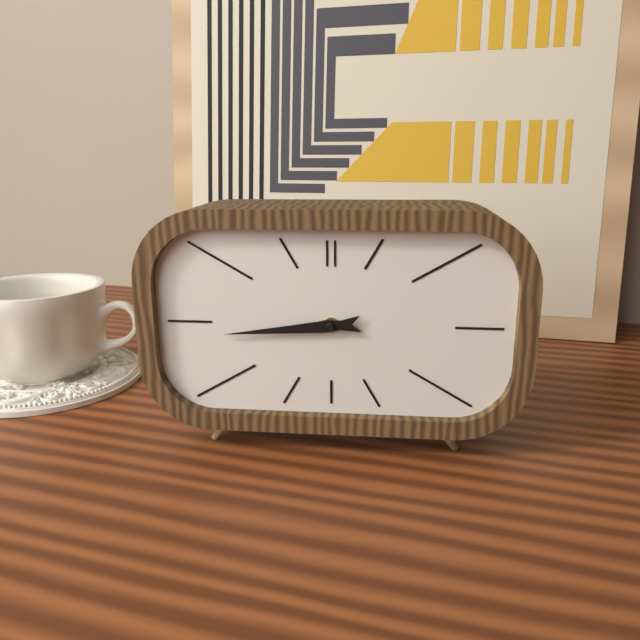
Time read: 8:44
